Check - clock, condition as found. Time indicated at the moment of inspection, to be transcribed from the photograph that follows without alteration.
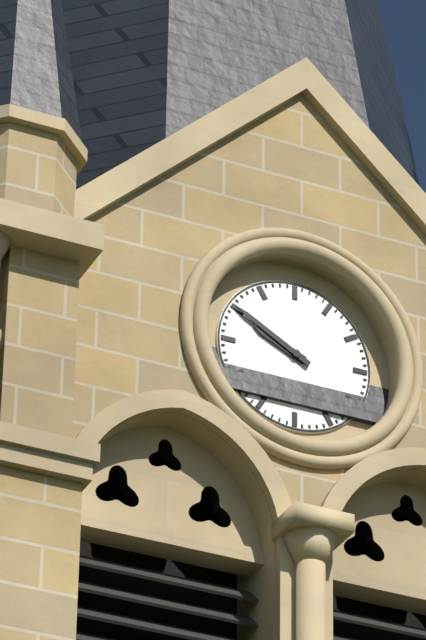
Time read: 9:50
